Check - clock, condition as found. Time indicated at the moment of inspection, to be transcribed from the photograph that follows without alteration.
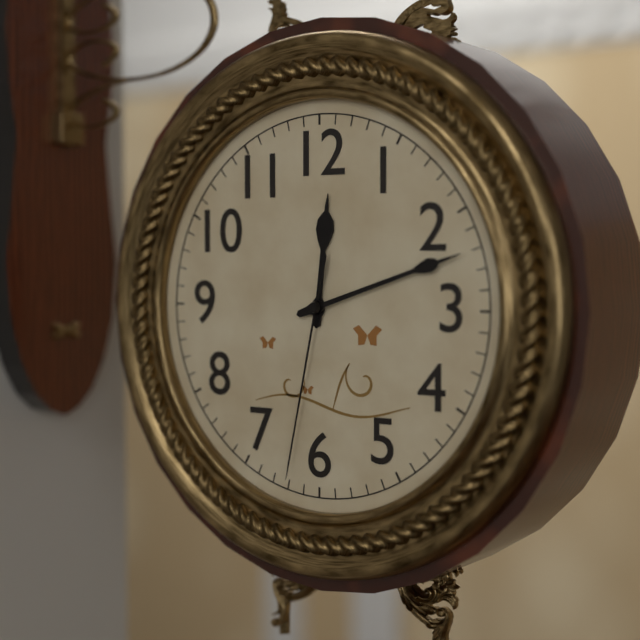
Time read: 12:12:32
